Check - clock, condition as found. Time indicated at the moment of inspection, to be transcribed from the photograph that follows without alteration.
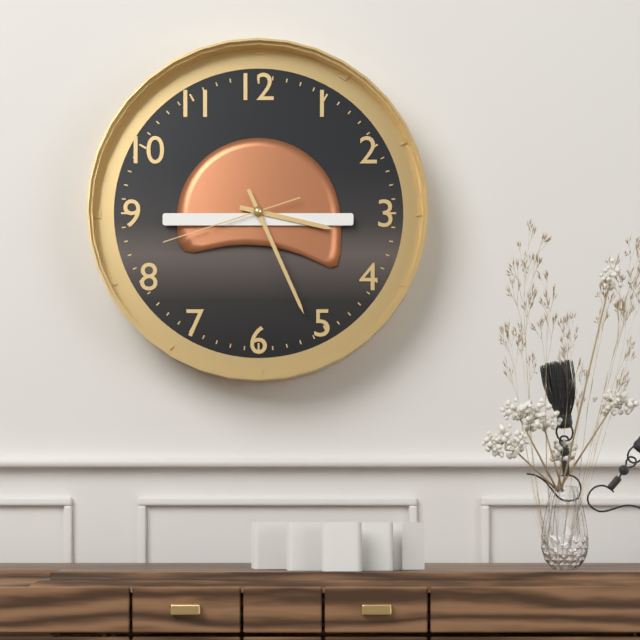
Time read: 3:26:42
